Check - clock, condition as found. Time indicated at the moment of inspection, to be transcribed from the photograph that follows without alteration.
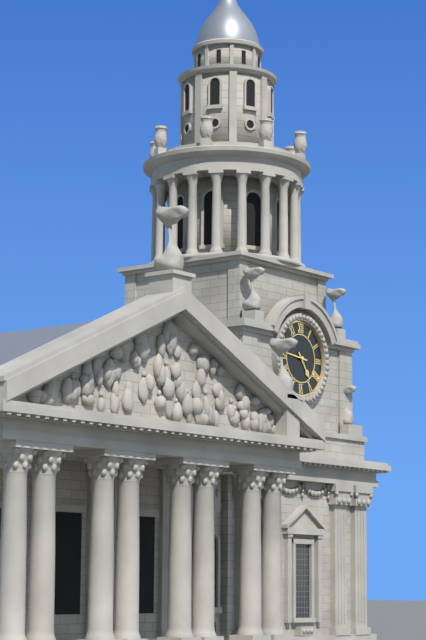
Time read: 4:46
